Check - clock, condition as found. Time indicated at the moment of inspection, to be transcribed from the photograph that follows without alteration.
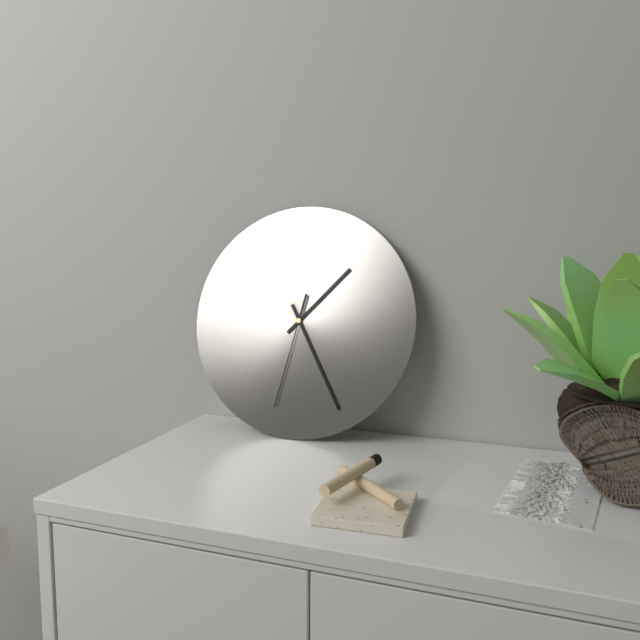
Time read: 1:25:32
